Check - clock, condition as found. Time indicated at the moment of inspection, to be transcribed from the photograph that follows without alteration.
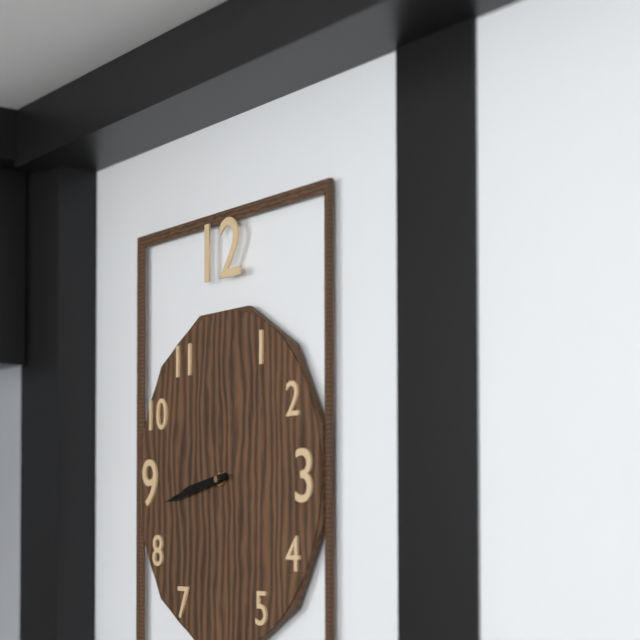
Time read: 8:43
